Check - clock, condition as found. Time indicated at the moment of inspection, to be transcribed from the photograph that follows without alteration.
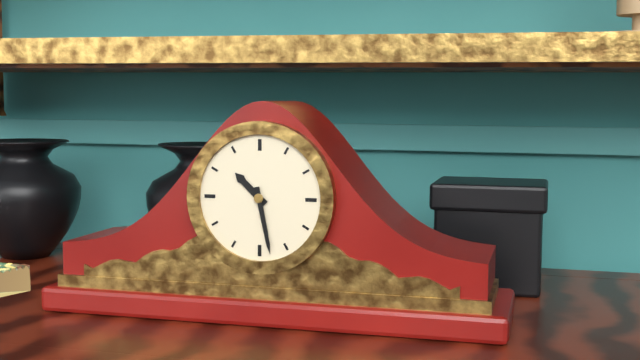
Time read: 10:28
